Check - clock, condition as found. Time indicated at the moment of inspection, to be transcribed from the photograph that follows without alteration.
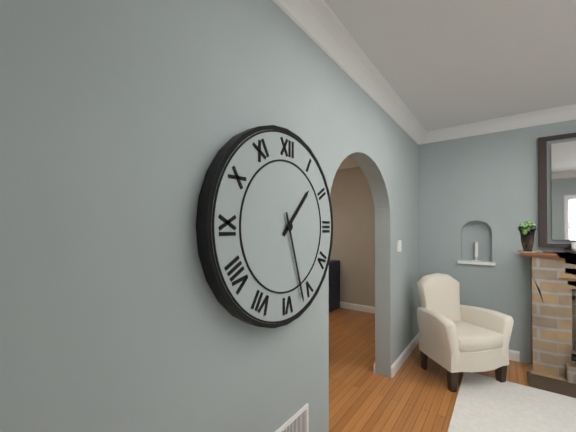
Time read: 1:27
